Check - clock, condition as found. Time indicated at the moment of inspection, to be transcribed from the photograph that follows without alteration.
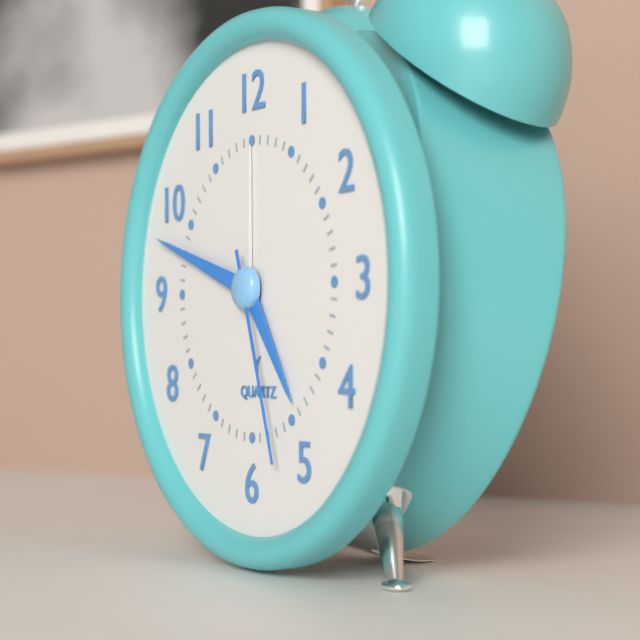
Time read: 4:48:27
